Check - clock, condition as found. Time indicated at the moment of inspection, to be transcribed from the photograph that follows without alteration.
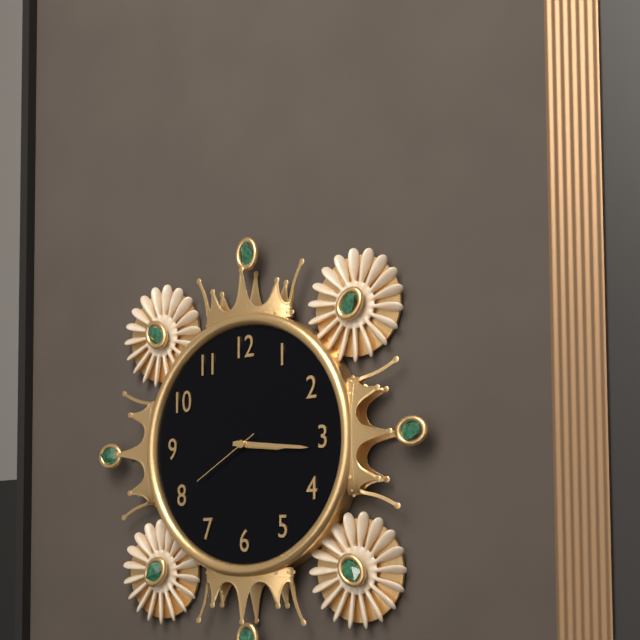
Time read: 3:16:40
